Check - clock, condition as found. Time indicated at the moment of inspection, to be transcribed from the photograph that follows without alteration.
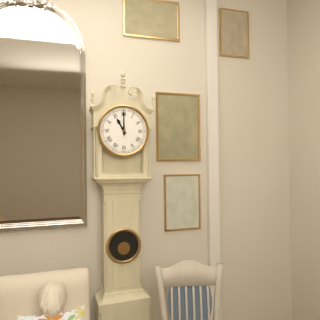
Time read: 11:00
